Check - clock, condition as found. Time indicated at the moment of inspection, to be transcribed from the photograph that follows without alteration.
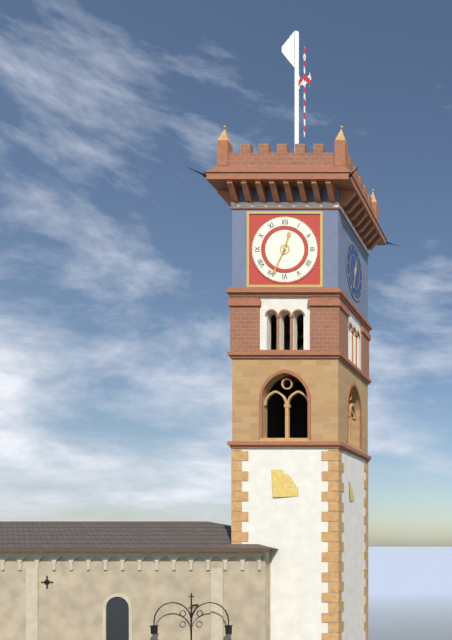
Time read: 12:34
